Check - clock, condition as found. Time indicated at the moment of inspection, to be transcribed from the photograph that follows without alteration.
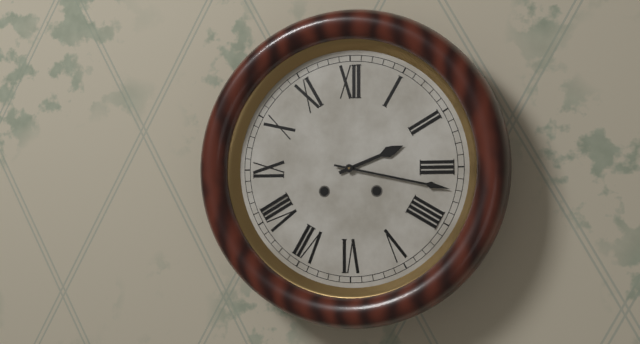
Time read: 2:17
